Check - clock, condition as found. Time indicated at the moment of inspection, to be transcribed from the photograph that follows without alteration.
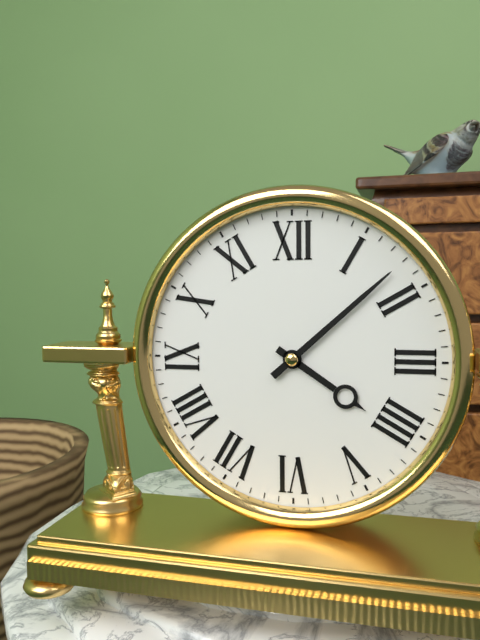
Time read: 4:08
